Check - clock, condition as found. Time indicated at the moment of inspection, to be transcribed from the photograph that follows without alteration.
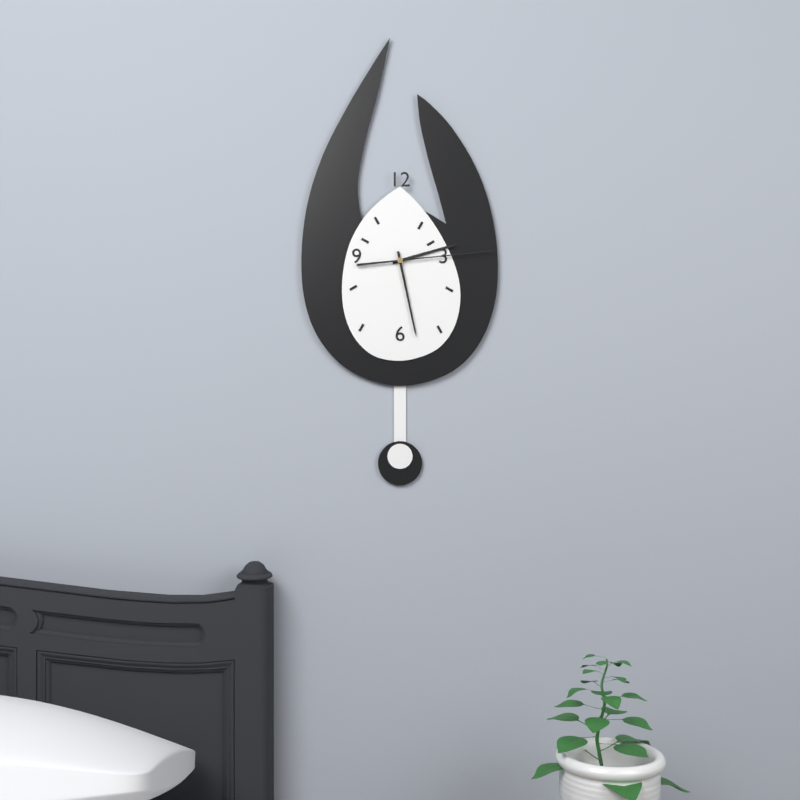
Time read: 2:28:14
